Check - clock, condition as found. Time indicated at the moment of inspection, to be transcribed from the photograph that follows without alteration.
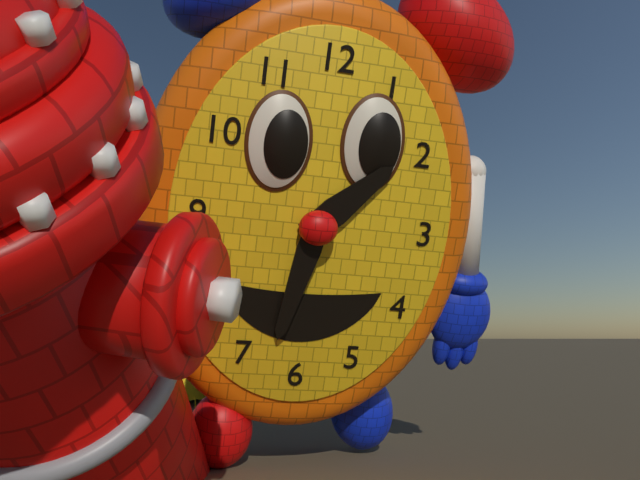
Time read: 1:32
